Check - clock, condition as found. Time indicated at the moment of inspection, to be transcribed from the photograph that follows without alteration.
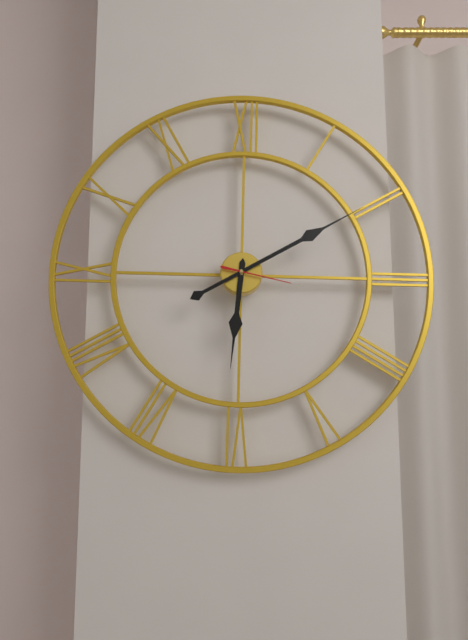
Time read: 6:10:17
